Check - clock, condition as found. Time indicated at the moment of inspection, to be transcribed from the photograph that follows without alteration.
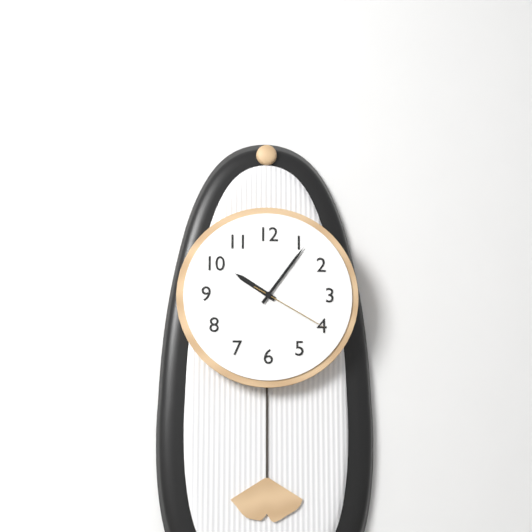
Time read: 10:06:20
